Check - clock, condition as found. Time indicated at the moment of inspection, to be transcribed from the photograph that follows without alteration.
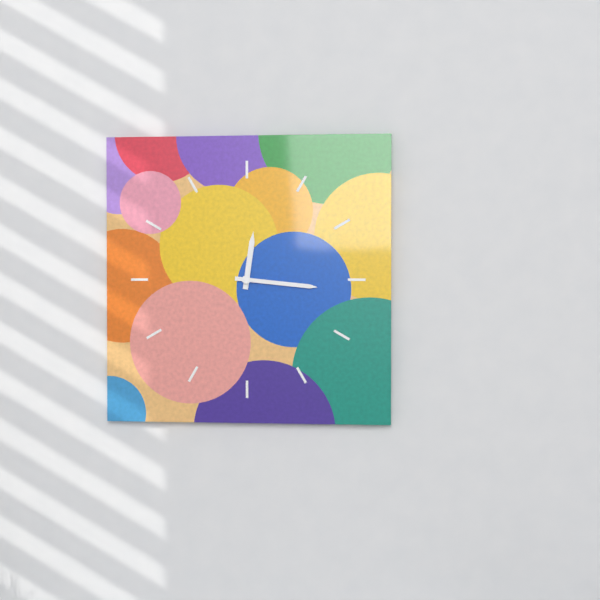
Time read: 12:16
